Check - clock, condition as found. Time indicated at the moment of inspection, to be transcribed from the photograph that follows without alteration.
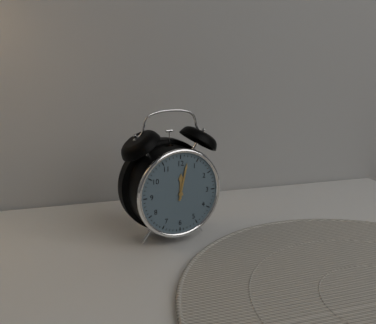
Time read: 12:02
